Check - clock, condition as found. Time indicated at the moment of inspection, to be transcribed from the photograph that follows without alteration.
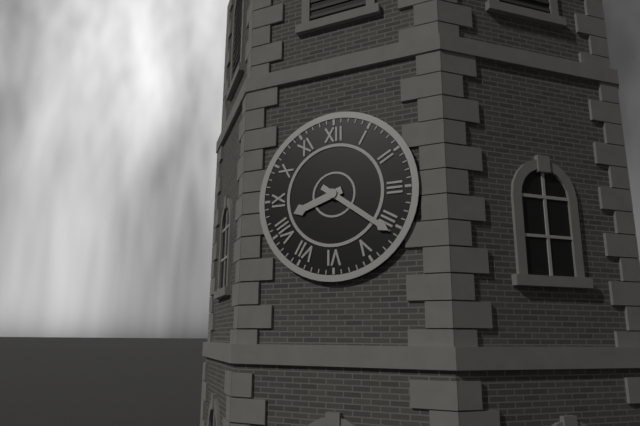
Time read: 8:21
